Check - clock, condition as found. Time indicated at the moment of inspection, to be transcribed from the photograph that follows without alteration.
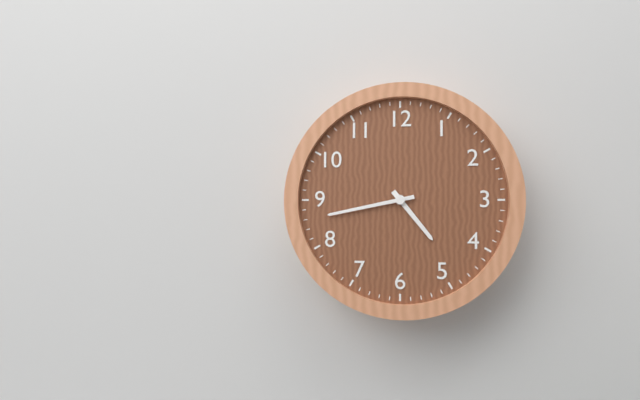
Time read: 4:43
